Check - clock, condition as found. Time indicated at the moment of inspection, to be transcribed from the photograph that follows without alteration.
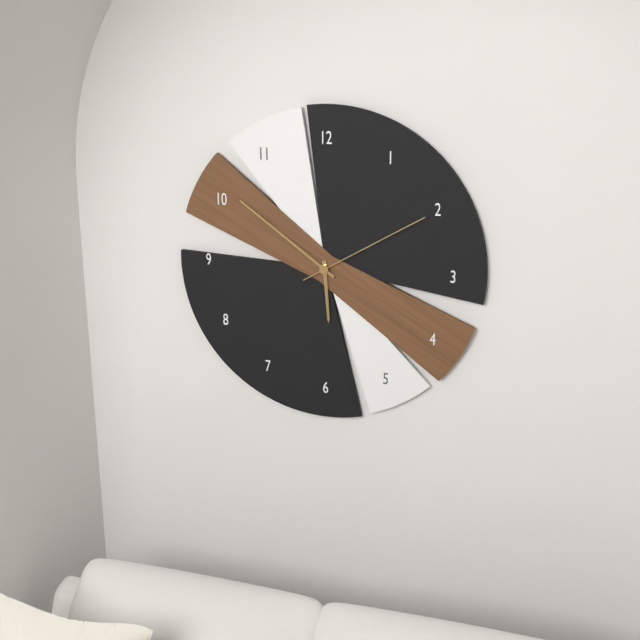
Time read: 5:51:10
